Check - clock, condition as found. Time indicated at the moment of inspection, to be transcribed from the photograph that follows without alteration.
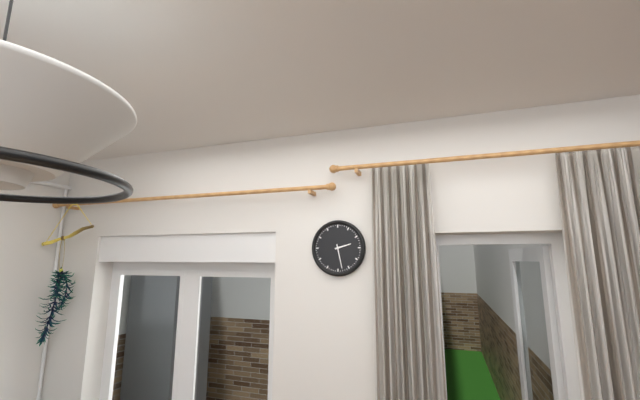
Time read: 2:28
